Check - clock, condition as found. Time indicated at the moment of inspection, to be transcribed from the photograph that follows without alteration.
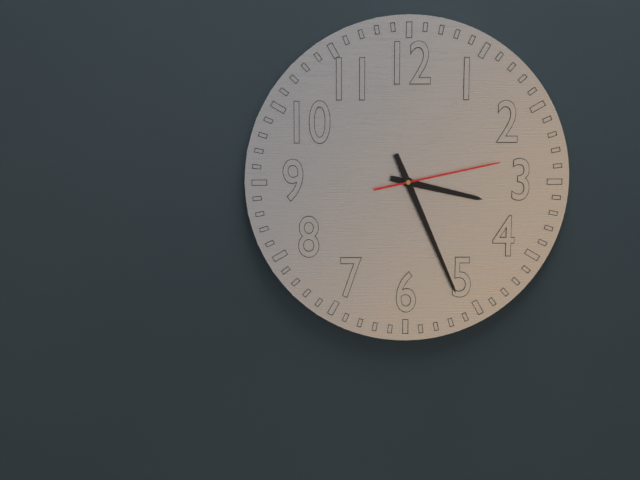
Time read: 3:26:13
